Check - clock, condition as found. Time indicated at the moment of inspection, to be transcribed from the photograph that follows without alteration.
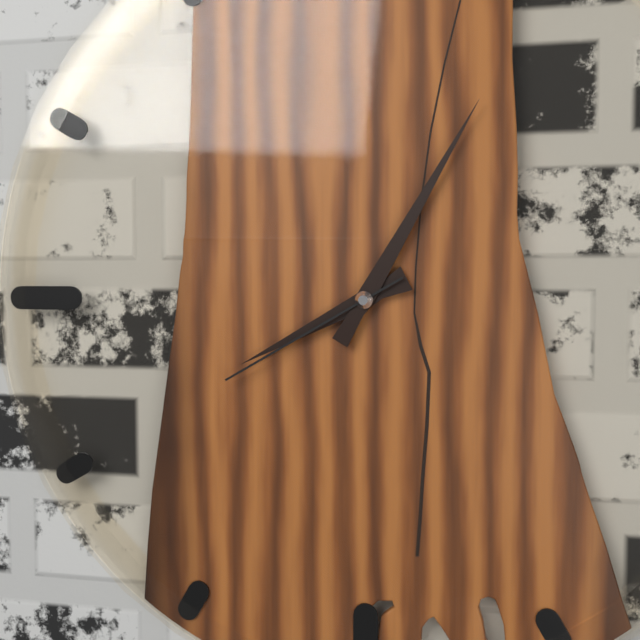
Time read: 8:05:40
